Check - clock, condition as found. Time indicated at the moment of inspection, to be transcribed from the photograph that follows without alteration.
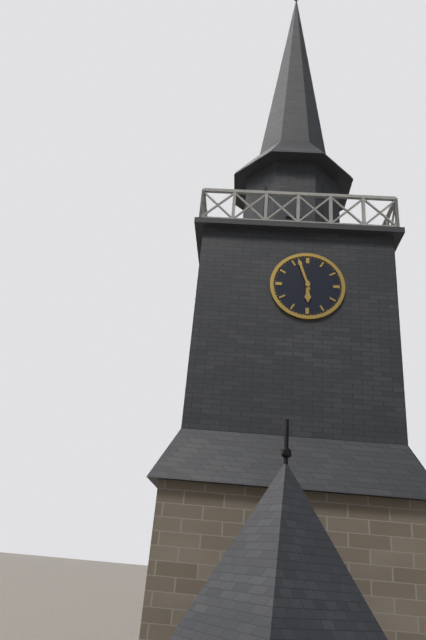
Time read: 5:57
